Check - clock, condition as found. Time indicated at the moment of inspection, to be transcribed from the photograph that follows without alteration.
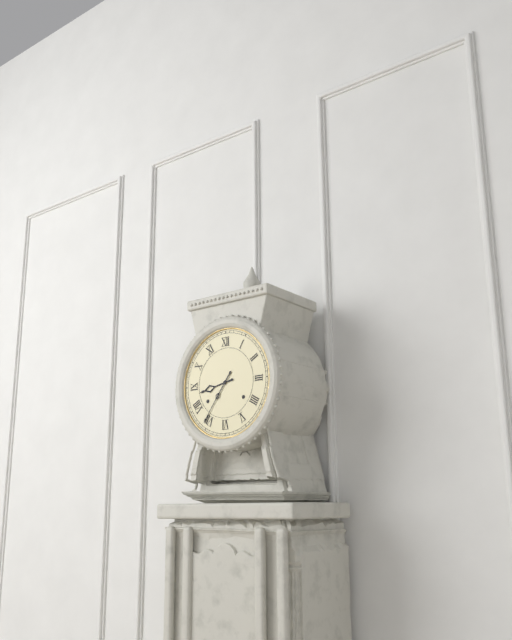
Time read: 8:36
